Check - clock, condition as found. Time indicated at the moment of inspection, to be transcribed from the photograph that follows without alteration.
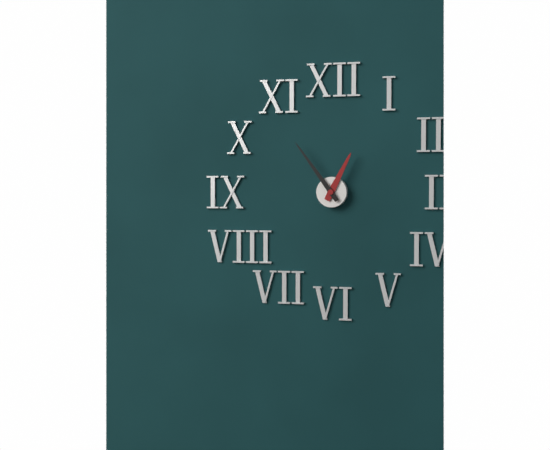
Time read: 12:54
